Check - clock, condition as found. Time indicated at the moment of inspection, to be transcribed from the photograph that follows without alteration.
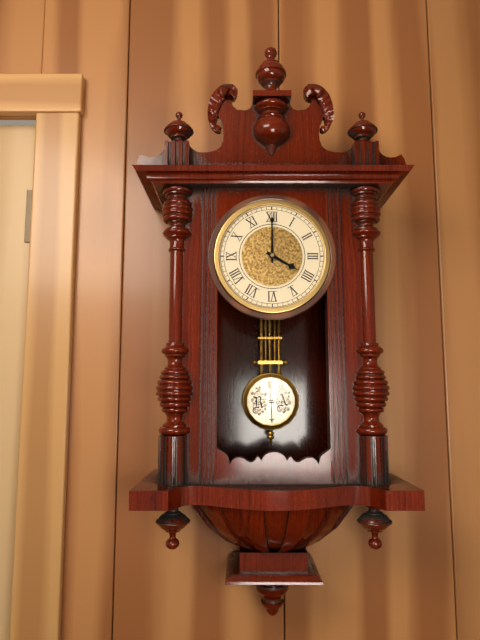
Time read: 4:00
